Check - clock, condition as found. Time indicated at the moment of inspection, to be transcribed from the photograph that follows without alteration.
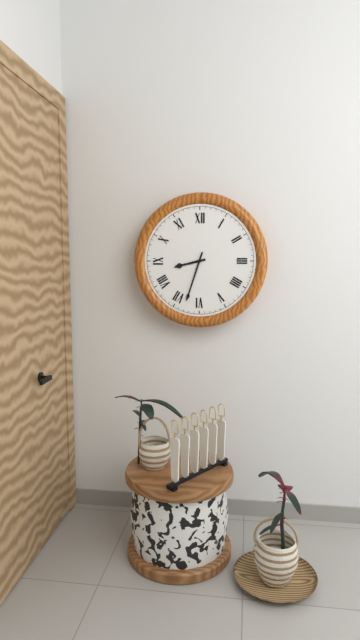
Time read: 8:33
